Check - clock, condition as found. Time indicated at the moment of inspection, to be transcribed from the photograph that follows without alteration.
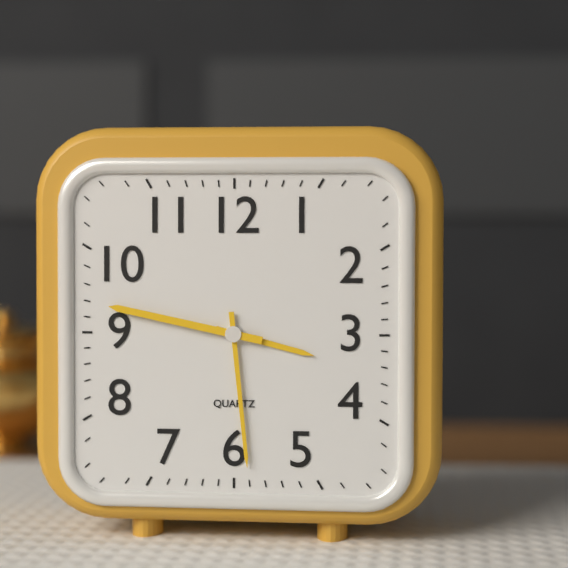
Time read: 3:29:47
